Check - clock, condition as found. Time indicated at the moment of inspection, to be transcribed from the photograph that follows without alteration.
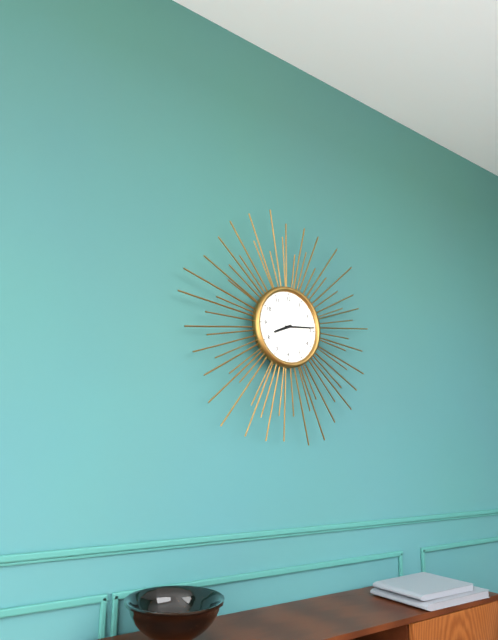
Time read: 8:14
